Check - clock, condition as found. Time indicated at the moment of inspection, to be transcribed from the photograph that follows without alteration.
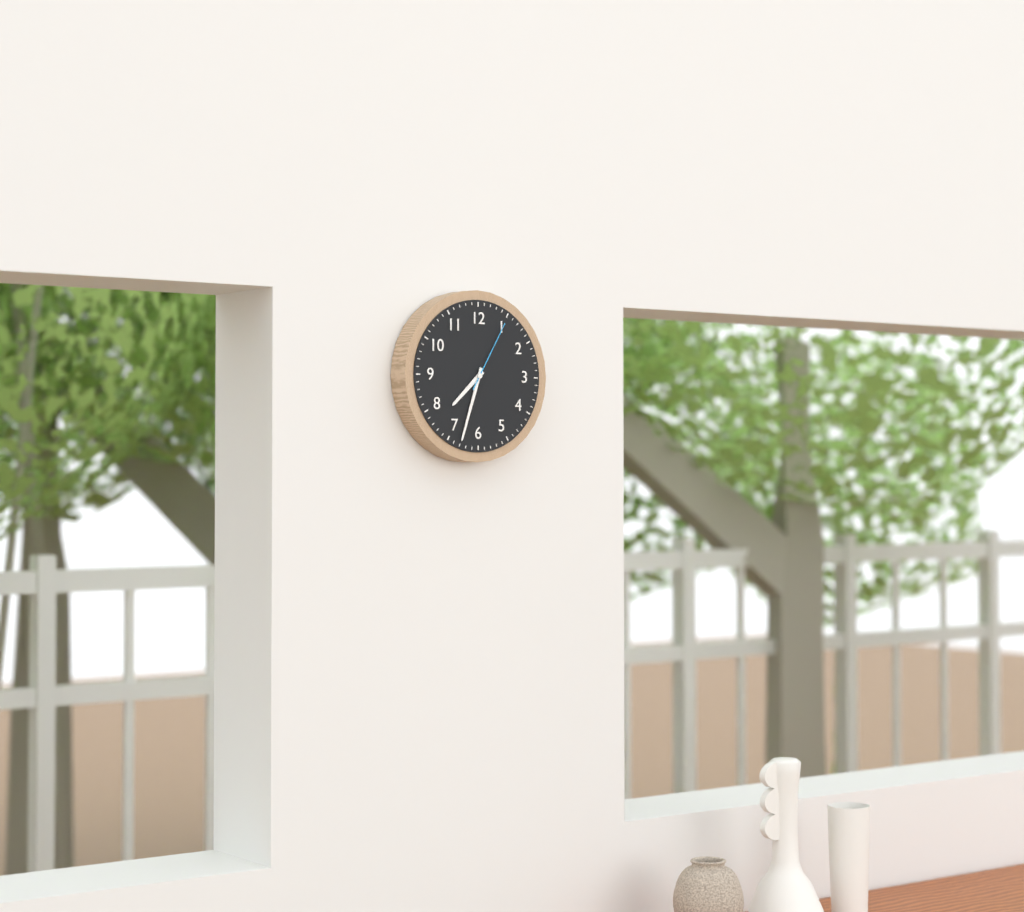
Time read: 7:33:05
